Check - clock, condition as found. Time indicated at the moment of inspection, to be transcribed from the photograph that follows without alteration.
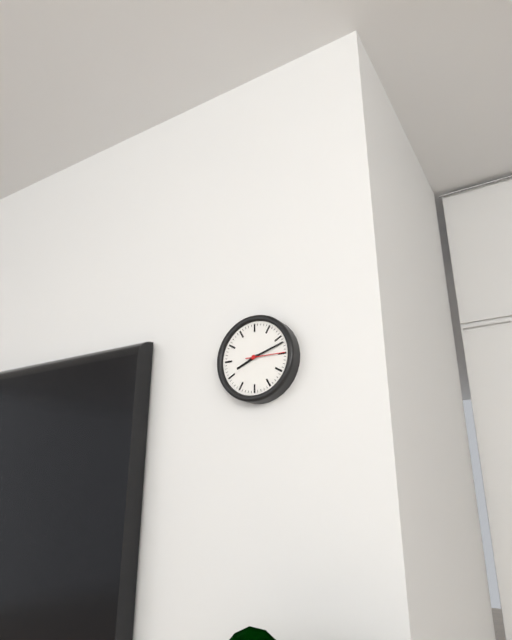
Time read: 8:12
